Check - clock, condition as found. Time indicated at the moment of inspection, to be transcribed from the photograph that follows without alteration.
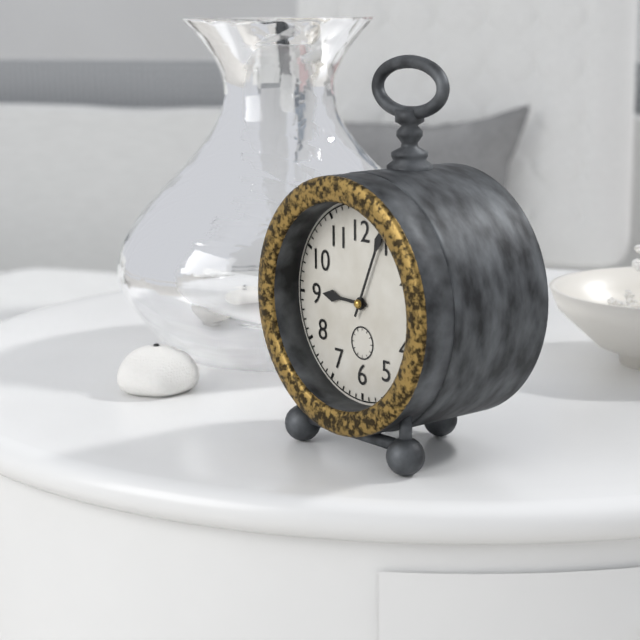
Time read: 9:04
